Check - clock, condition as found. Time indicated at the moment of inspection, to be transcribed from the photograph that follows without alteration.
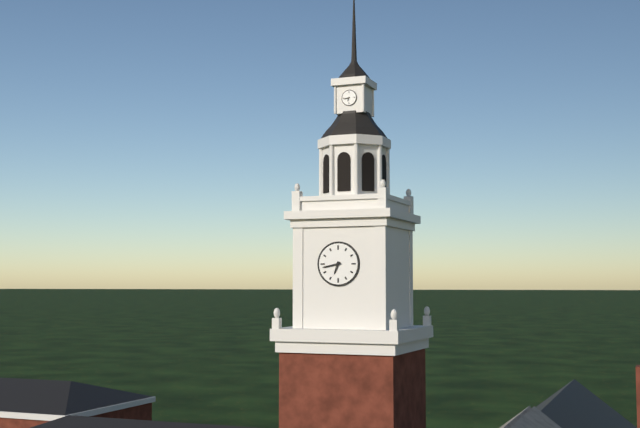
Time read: 6:43
